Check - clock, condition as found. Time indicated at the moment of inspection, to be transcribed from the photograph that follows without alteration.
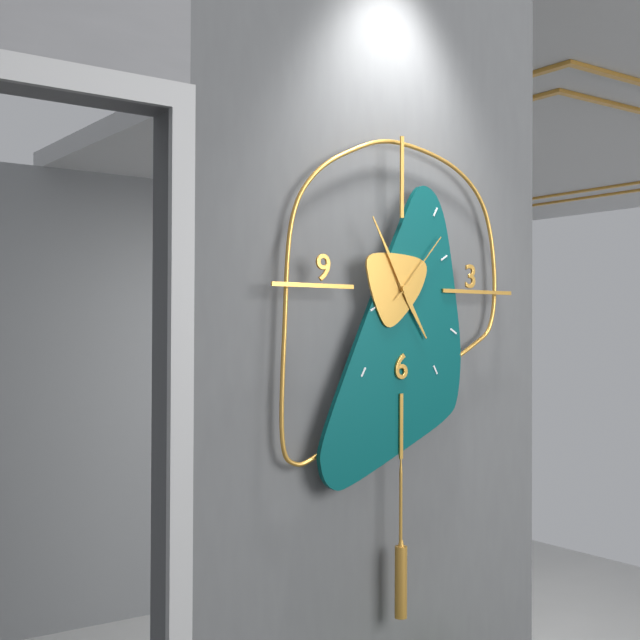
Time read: 4:55:07
